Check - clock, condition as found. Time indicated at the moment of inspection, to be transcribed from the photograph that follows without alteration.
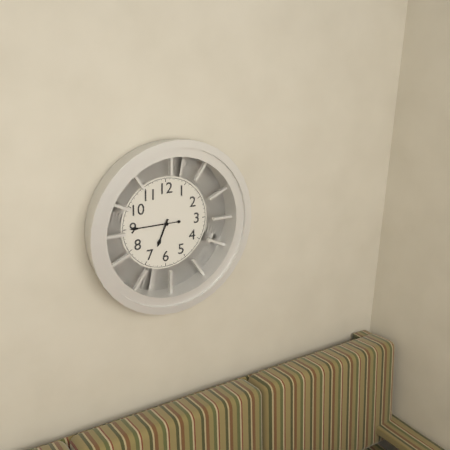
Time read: 6:45
